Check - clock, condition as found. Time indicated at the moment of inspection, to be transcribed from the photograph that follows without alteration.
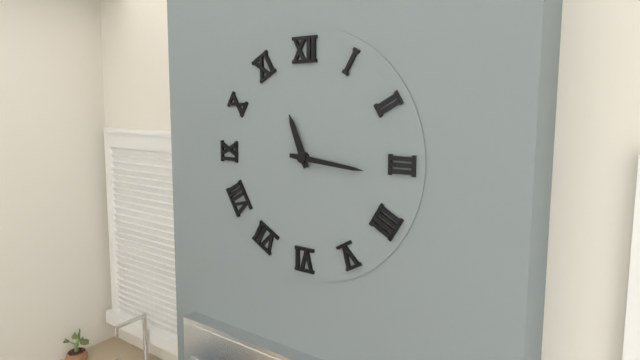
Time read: 11:16
